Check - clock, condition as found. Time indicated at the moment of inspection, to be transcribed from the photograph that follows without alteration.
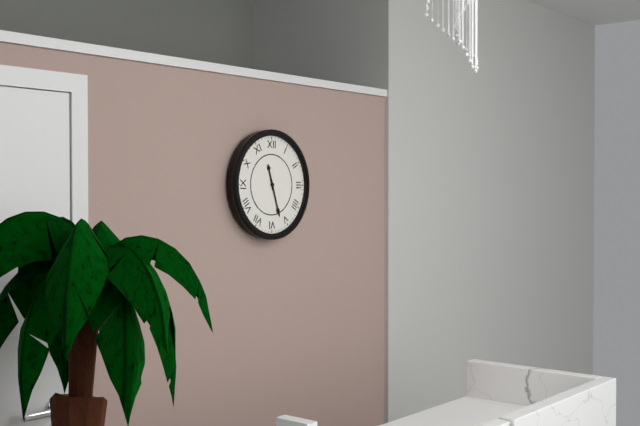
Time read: 11:27
